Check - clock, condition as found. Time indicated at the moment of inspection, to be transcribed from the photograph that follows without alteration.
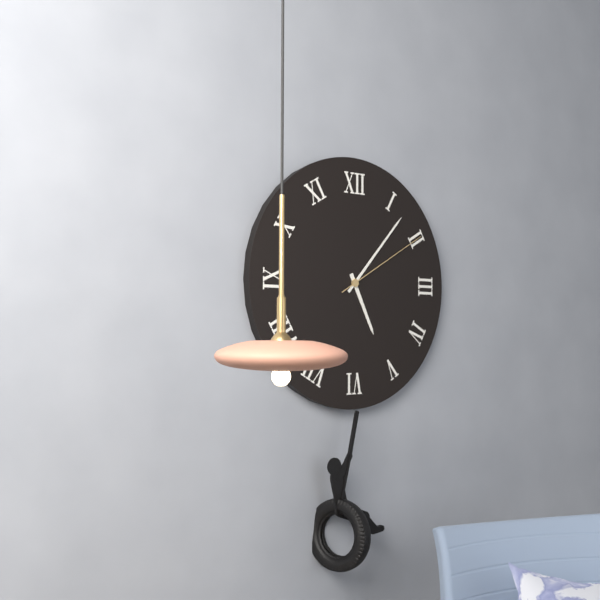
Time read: 5:07:10
